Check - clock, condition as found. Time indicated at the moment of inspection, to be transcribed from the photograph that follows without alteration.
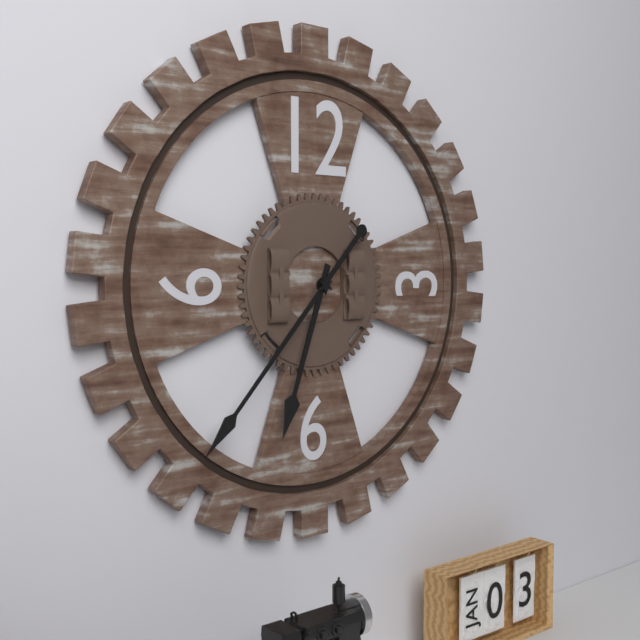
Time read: 6:37
